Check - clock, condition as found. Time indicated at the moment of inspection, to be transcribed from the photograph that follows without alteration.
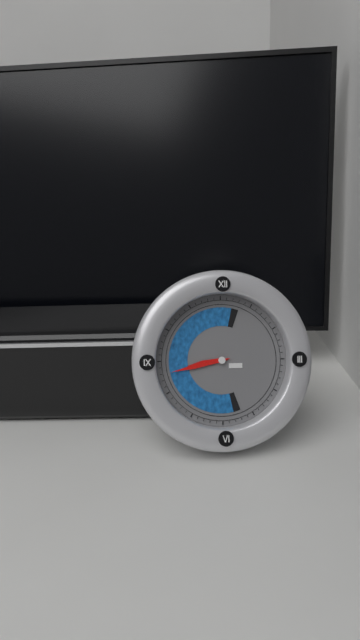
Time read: 8:43
